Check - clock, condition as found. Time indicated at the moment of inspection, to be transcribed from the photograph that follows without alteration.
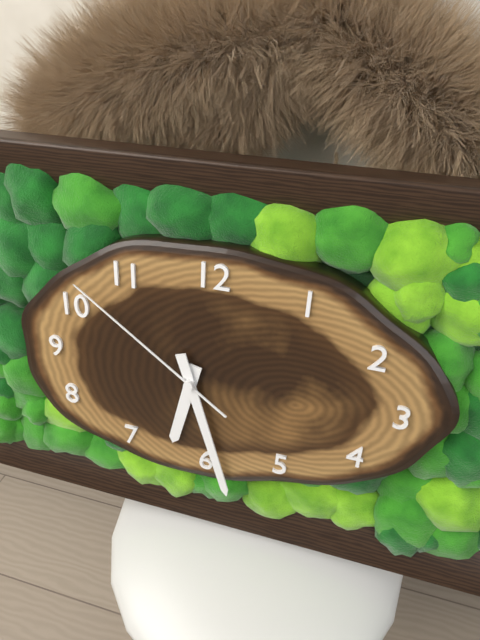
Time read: 6:27:51
